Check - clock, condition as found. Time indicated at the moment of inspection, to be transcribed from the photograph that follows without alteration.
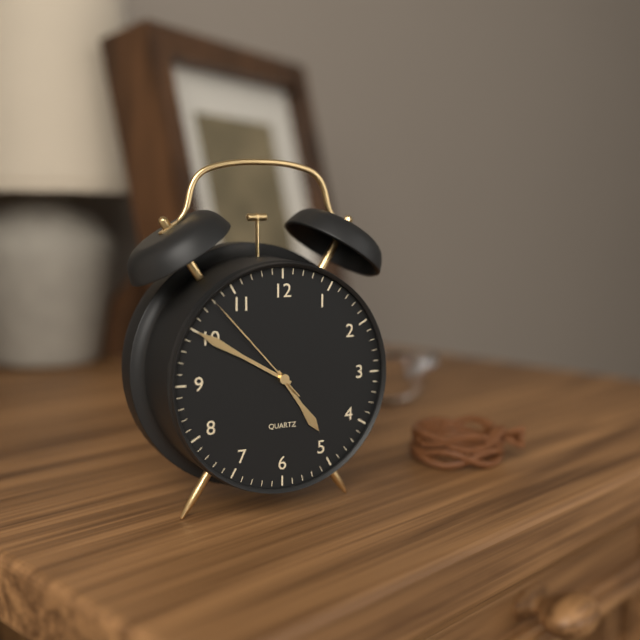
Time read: 4:50:53
